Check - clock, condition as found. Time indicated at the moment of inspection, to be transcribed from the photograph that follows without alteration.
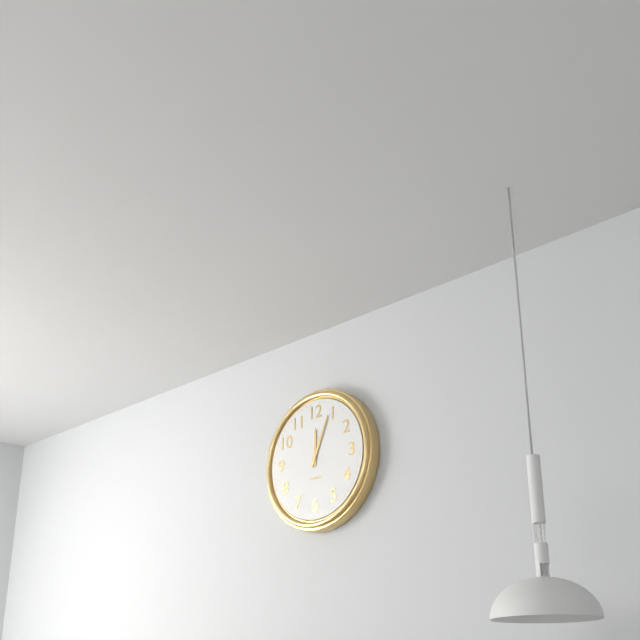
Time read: 12:04
